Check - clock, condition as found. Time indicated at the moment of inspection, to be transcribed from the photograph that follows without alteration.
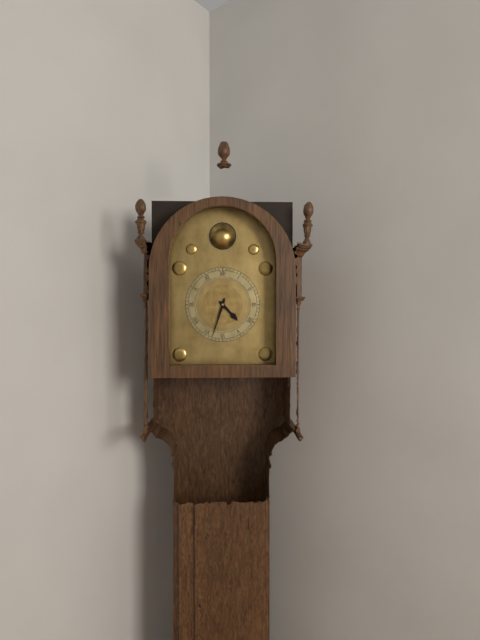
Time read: 4:33
